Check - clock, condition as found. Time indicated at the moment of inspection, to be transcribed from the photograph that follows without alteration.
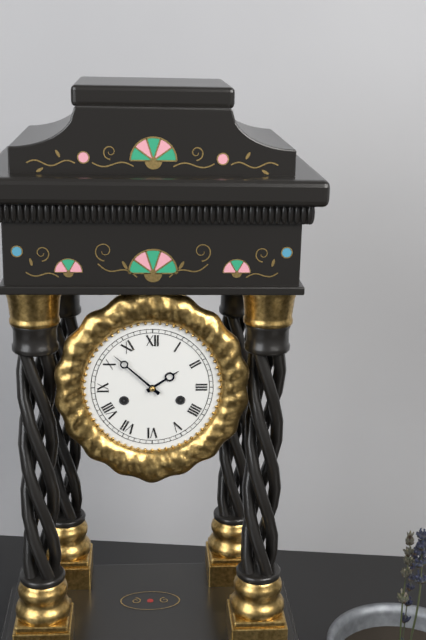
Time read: 1:52
